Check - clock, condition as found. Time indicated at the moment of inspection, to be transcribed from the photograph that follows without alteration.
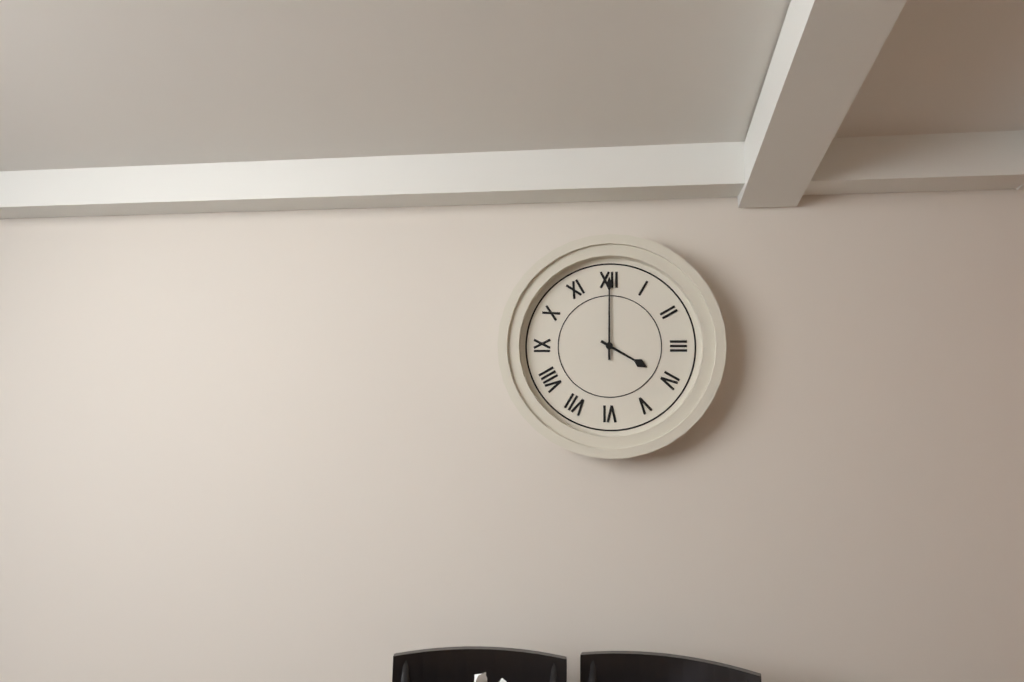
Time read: 4:00
